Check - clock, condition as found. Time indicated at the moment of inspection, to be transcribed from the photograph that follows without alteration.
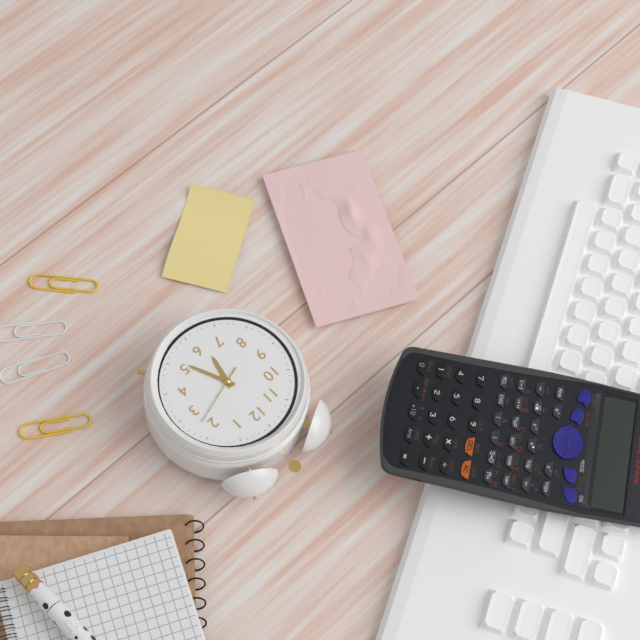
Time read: 6:26:12
